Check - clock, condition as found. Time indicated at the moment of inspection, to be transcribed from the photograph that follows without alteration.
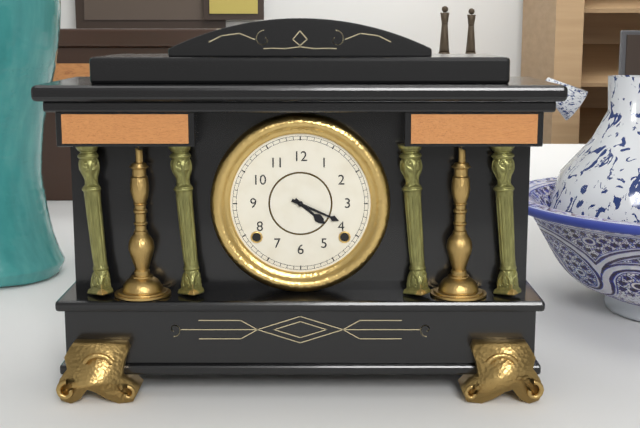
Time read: 4:19
